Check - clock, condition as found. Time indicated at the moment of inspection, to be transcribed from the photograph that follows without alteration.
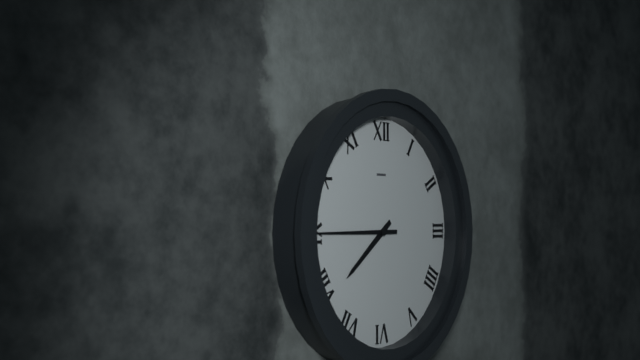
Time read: 7:45
